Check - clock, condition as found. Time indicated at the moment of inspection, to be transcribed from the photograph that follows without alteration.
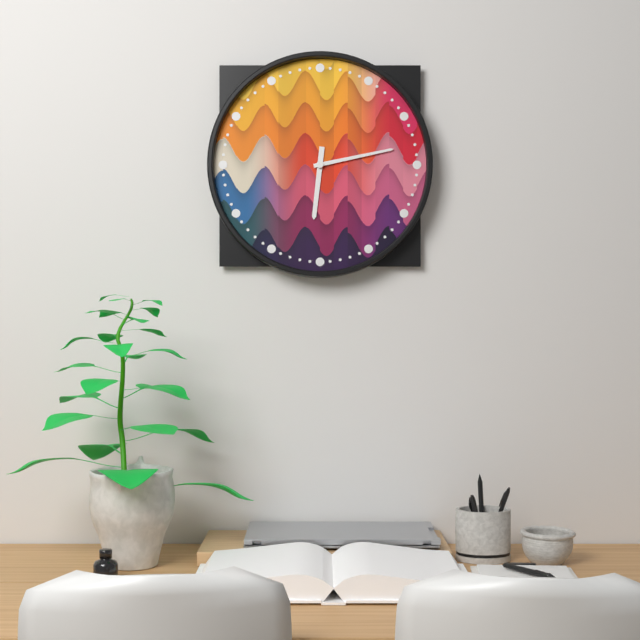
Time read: 6:13
